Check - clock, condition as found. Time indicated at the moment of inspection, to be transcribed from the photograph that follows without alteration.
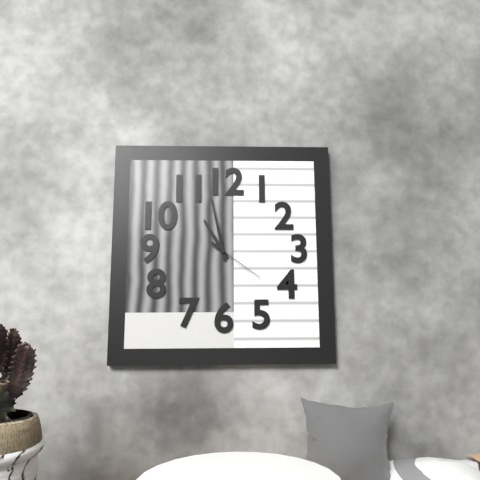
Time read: 10:58:21
